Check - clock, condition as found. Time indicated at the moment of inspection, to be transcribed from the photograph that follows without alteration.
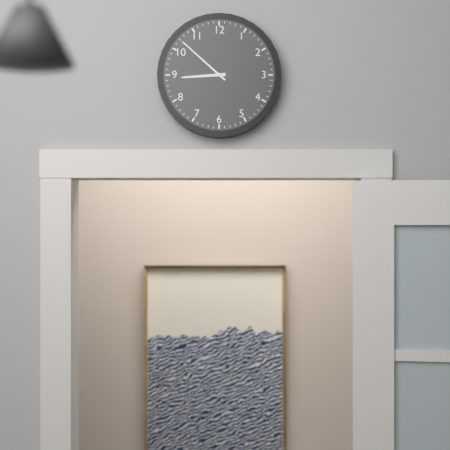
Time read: 8:52
